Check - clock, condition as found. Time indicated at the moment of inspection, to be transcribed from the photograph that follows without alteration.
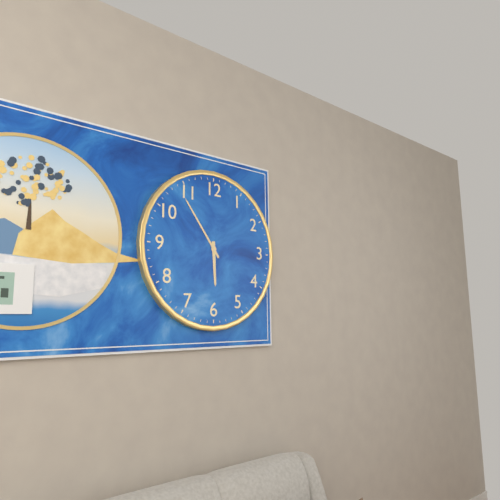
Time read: 5:54
